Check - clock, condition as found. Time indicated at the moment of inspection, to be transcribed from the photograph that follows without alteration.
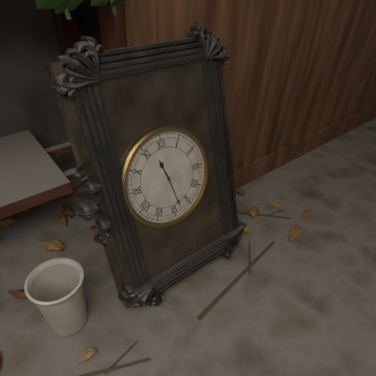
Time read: 11:28
